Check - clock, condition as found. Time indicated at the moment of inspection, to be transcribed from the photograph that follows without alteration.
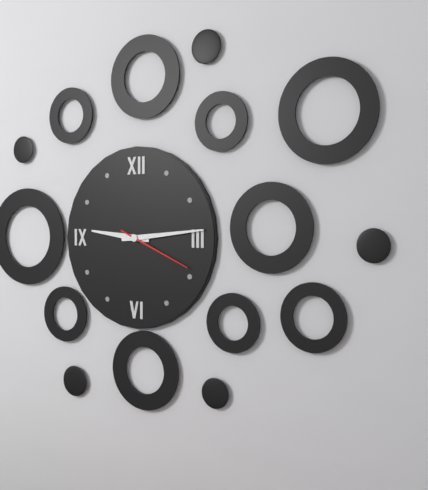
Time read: 9:14:19
